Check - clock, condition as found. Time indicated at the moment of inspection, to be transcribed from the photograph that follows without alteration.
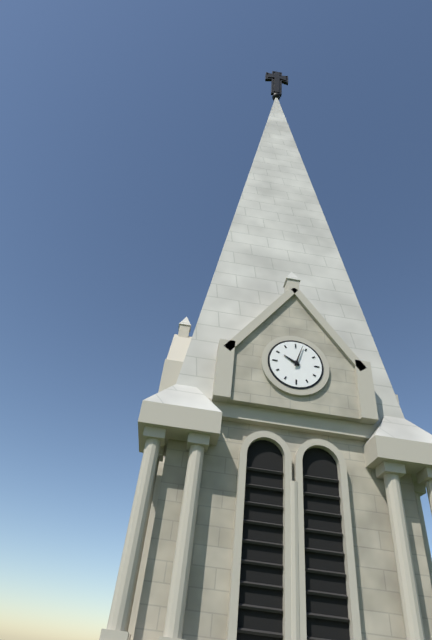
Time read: 10:03
